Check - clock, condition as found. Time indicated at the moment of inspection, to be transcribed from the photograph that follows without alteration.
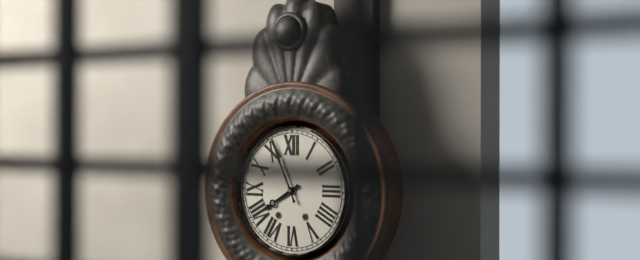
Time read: 7:56
